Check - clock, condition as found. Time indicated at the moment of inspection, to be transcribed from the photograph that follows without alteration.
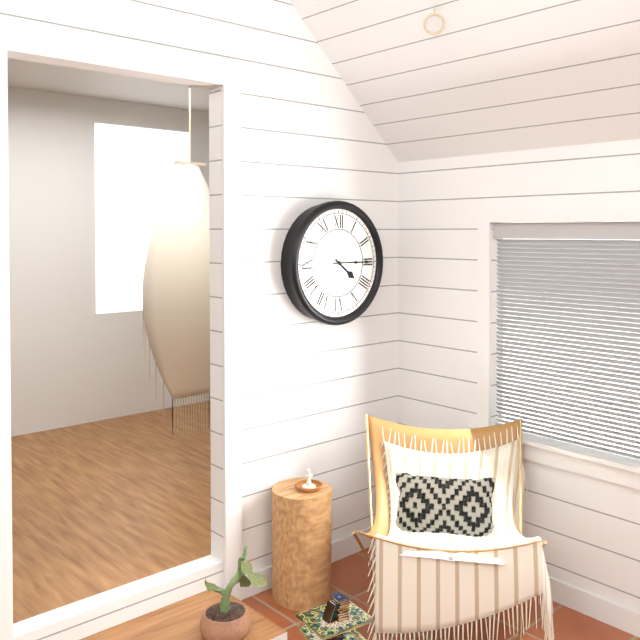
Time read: 4:15
